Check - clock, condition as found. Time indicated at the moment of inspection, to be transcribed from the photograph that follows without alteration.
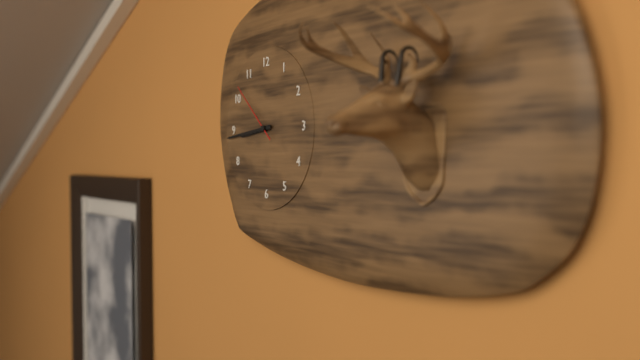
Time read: 8:44:52
